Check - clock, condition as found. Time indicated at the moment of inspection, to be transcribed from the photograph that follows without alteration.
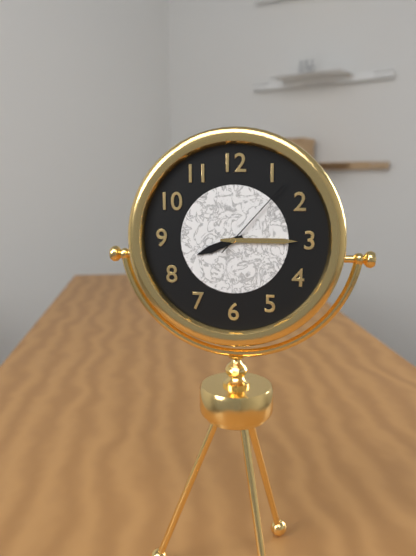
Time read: 8:15:07
